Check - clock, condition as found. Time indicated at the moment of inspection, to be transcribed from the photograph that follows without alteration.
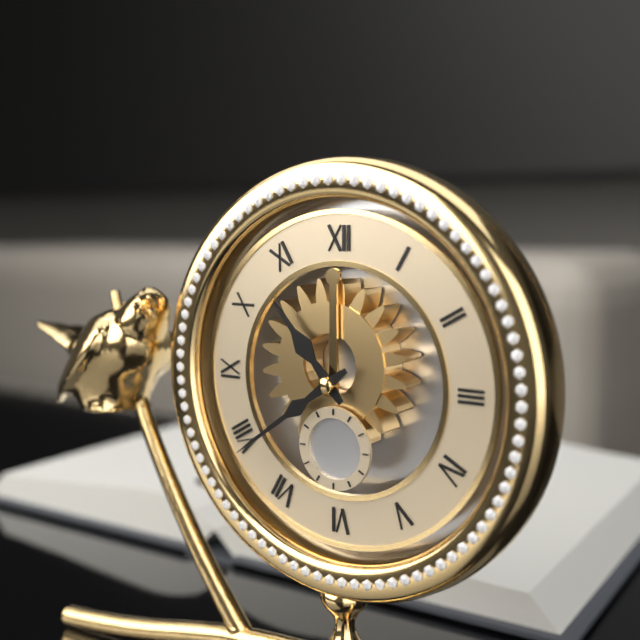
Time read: 10:39
